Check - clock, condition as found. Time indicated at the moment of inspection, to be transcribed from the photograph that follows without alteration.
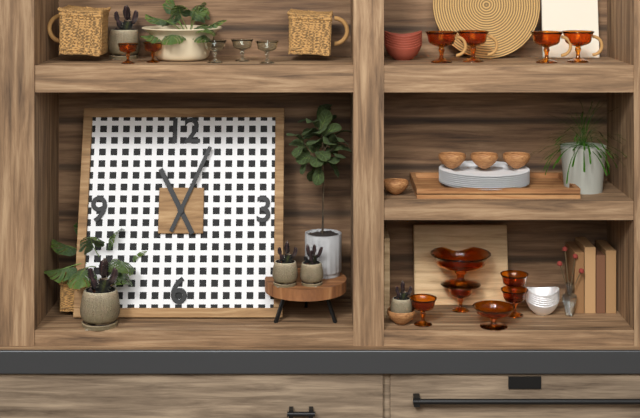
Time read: 11:04
